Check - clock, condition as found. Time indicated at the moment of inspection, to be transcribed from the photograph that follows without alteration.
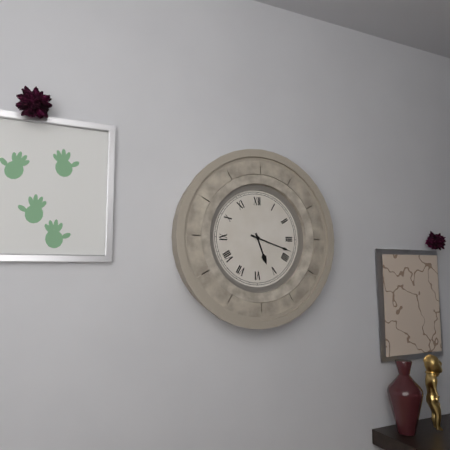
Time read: 5:18
